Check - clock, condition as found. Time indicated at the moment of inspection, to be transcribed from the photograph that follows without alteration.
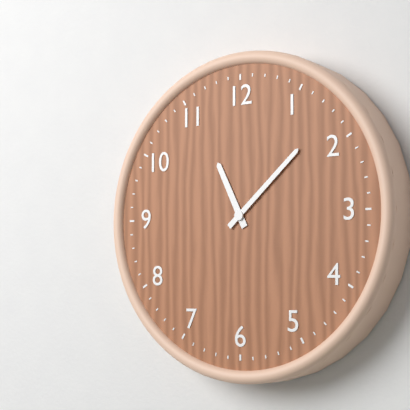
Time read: 11:08
